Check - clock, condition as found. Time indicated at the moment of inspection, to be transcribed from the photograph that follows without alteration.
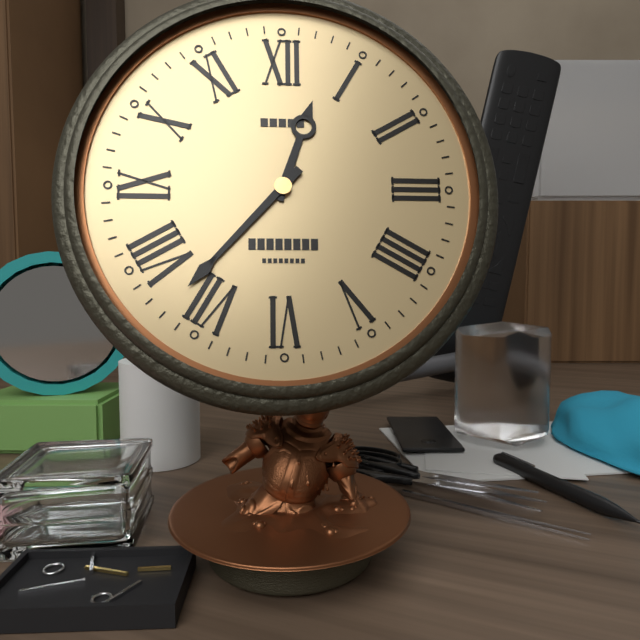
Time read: 12:37
